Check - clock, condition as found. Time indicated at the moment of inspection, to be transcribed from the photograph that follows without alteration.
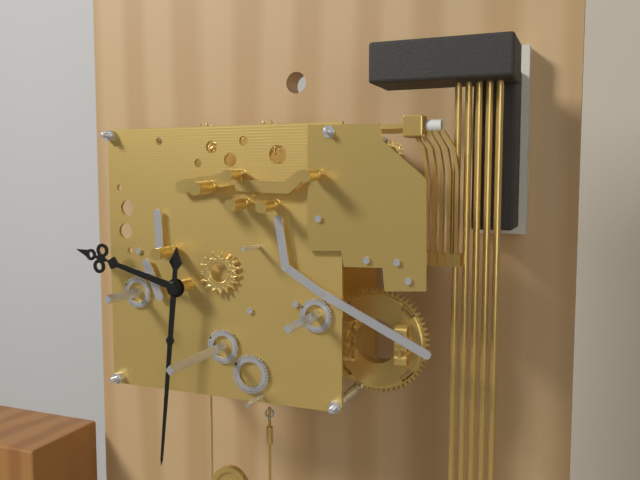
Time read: 9:31
